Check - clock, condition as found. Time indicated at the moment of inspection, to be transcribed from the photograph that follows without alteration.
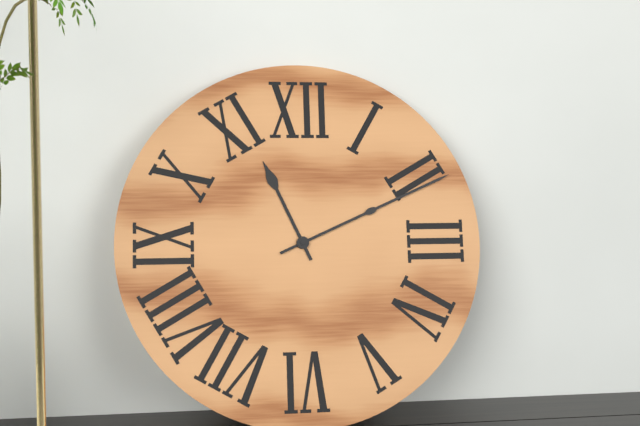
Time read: 11:11
